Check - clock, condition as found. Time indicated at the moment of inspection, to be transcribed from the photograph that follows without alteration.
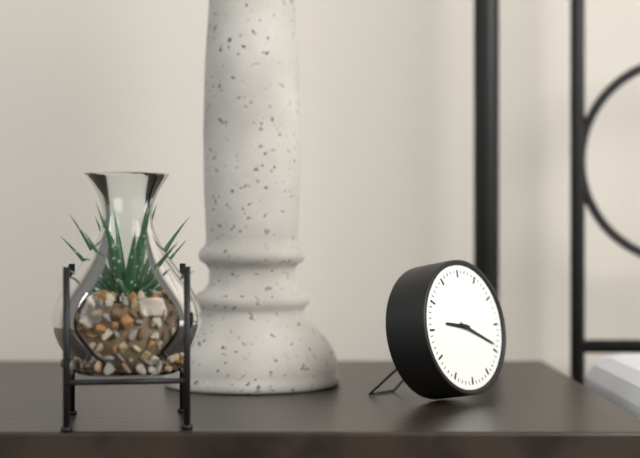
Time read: 9:19
